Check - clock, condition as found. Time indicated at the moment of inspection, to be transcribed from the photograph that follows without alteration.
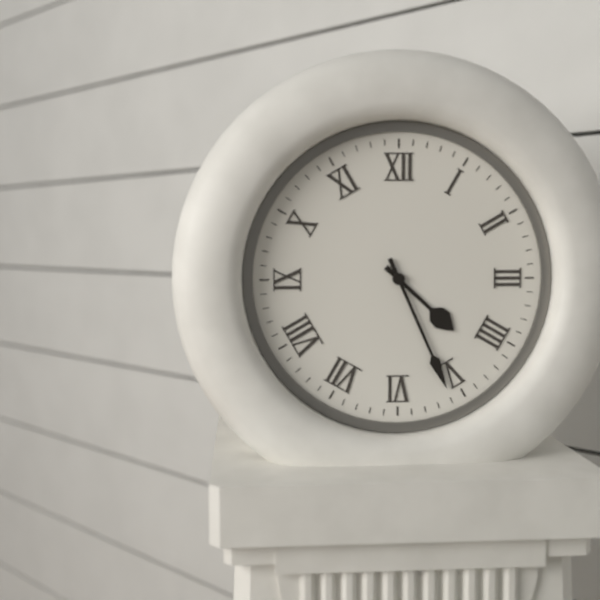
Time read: 4:26
